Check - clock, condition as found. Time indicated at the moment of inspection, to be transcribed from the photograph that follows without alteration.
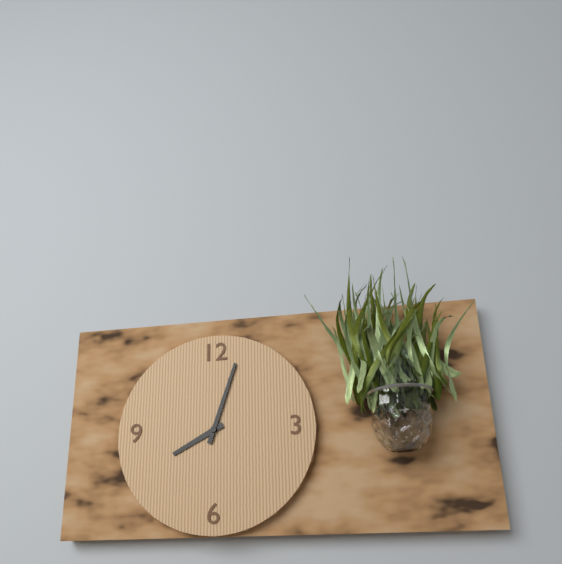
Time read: 8:03
